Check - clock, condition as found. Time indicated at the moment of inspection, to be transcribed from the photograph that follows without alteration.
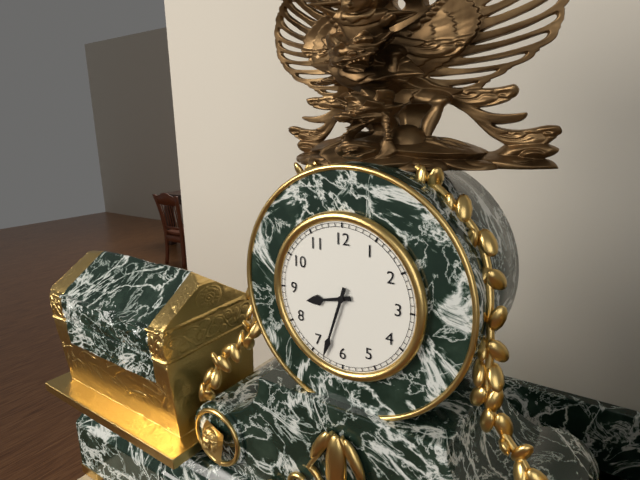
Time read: 8:33
